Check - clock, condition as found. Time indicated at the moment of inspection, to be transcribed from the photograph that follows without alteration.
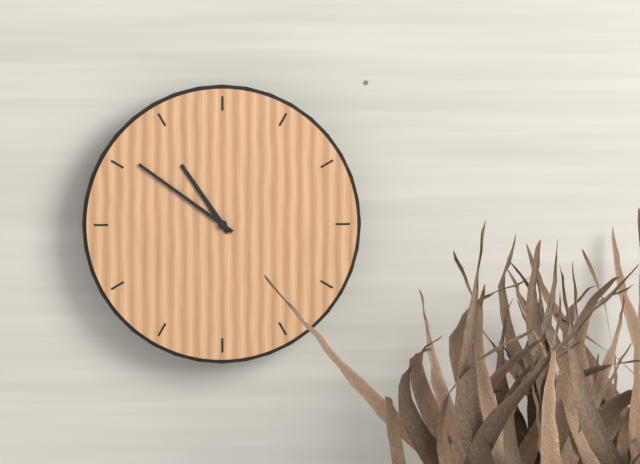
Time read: 10:51
